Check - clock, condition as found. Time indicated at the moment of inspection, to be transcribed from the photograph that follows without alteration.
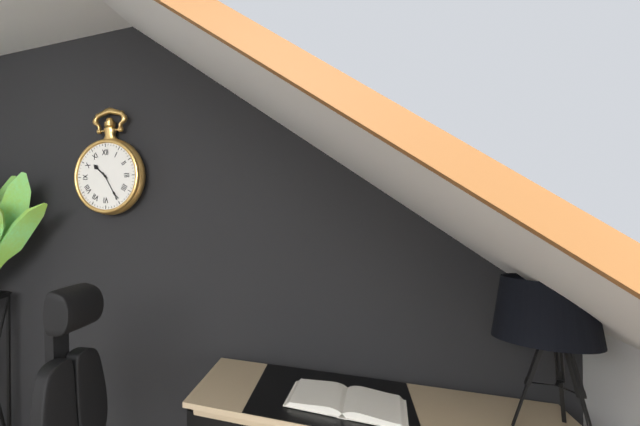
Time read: 10:25
